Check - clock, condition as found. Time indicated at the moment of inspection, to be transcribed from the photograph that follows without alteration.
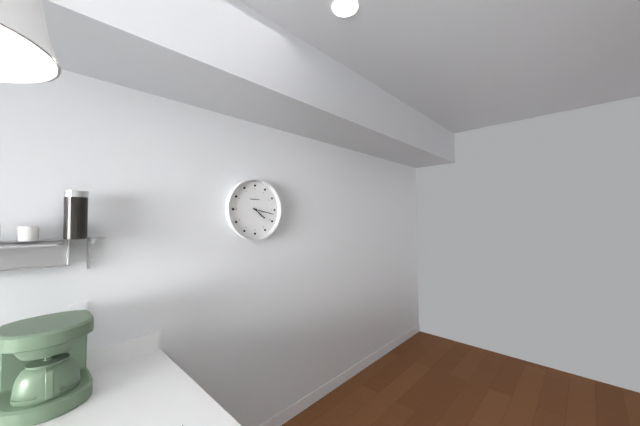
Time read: 4:17
